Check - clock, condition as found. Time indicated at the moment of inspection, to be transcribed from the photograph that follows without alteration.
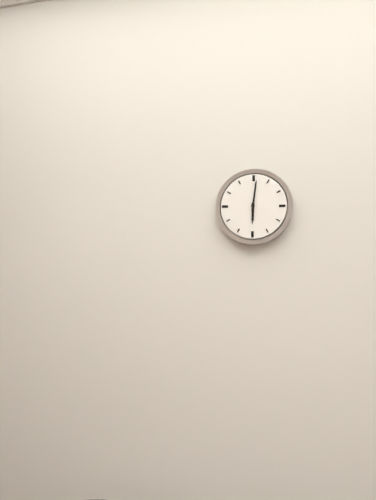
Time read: 6:01
